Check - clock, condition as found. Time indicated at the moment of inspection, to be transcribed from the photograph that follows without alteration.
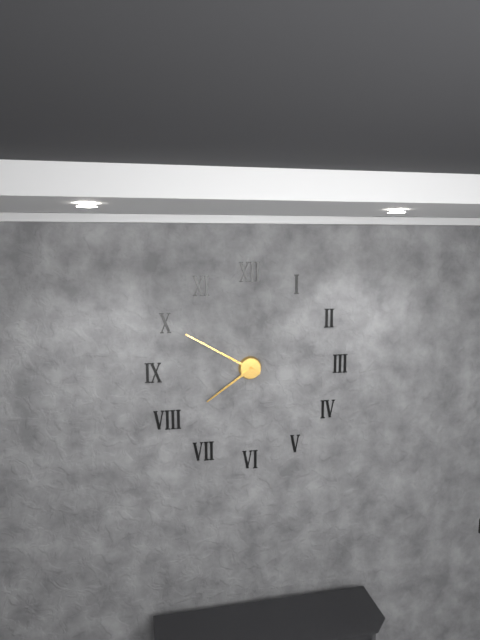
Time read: 7:50
